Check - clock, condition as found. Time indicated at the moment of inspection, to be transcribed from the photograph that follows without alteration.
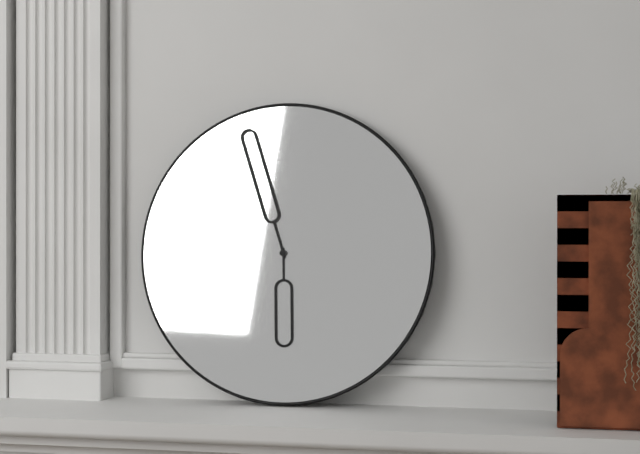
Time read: 5:57
